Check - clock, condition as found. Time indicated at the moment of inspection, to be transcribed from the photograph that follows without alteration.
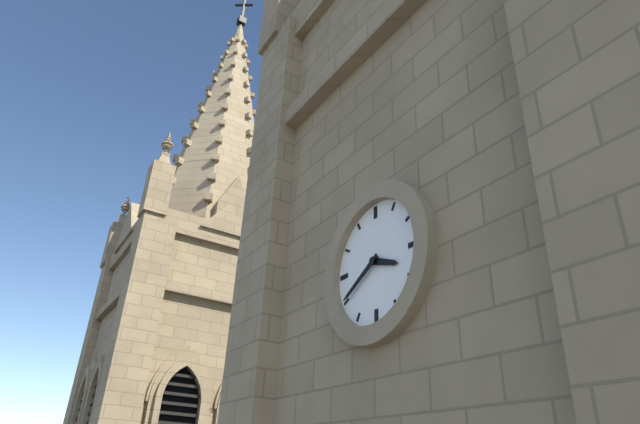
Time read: 3:40
